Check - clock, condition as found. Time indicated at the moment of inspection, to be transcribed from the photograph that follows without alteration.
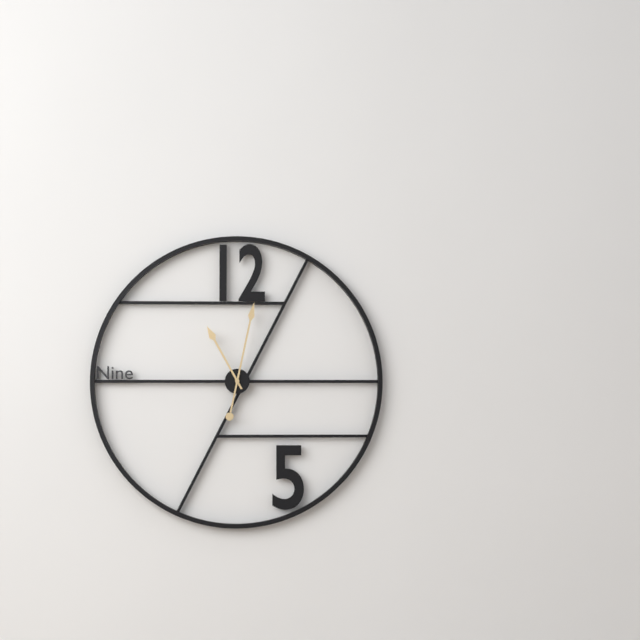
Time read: 11:02
